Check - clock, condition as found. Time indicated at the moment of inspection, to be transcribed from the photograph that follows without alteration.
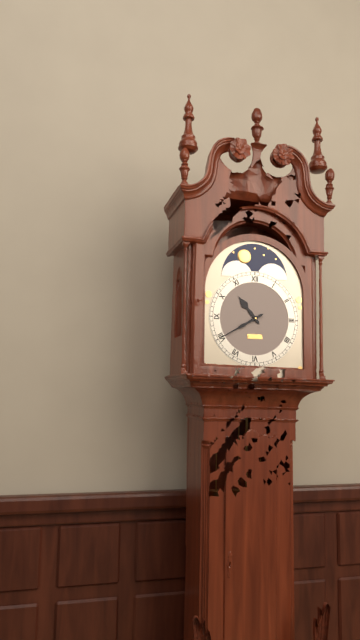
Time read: 10:40
